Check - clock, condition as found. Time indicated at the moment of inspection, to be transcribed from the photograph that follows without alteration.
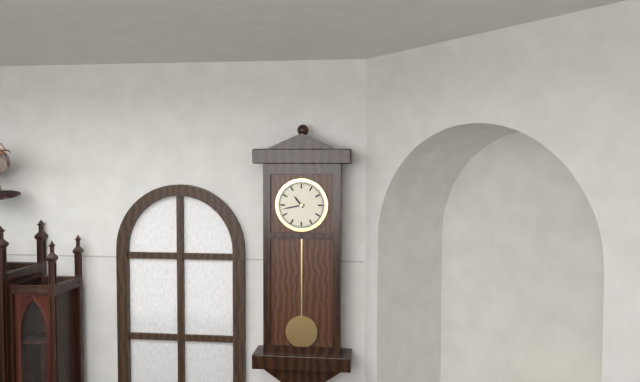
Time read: 10:43
